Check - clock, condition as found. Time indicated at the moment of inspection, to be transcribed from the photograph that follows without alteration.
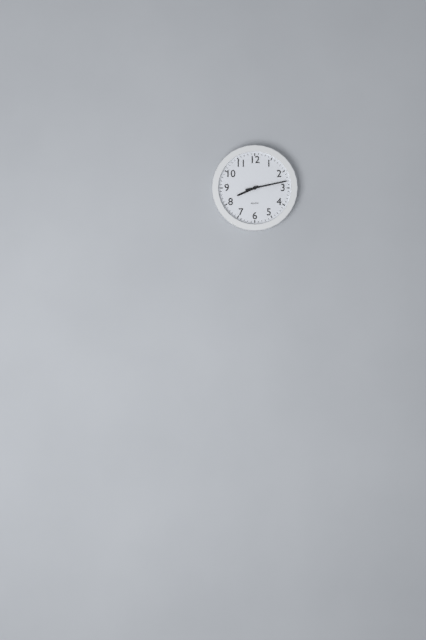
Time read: 8:13
